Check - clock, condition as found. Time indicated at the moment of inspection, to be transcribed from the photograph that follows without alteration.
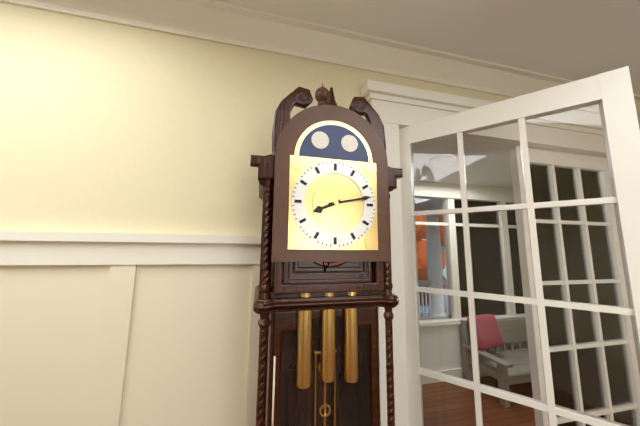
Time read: 8:13
